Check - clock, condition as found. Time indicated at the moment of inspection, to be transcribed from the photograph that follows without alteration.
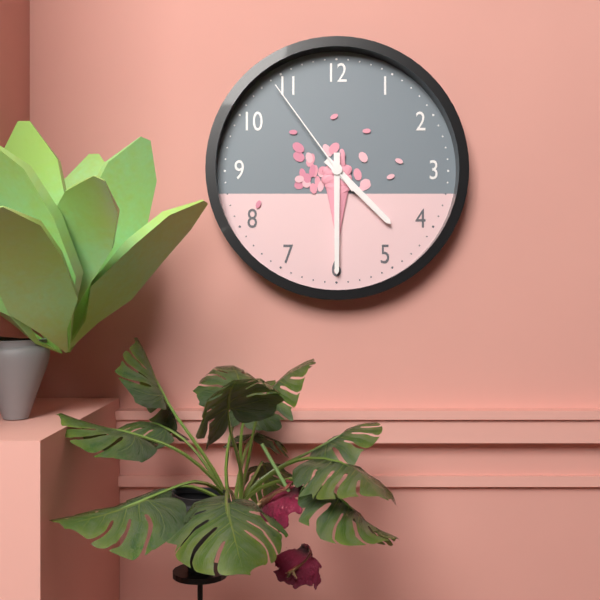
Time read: 4:30:54
